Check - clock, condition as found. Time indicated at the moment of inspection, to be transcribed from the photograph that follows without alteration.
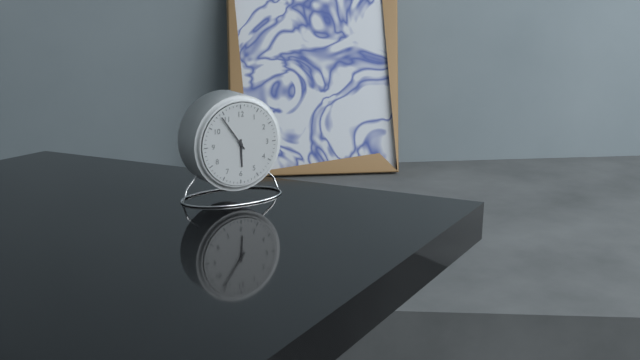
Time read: 5:54
